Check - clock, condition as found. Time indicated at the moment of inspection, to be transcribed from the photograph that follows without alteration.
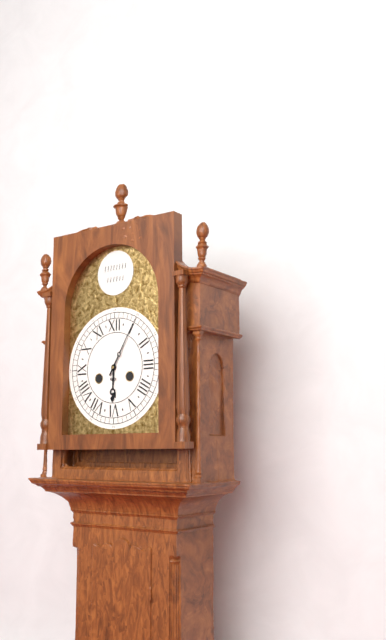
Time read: 6:05
